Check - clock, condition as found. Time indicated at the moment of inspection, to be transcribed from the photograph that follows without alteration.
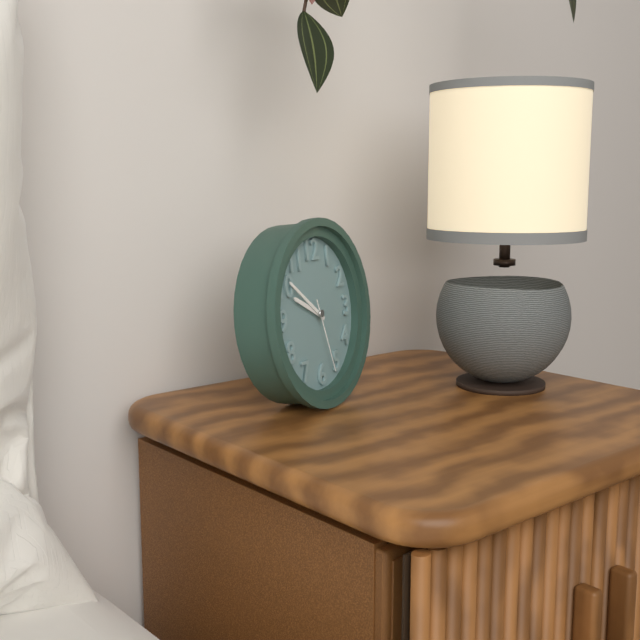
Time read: 9:51:27
